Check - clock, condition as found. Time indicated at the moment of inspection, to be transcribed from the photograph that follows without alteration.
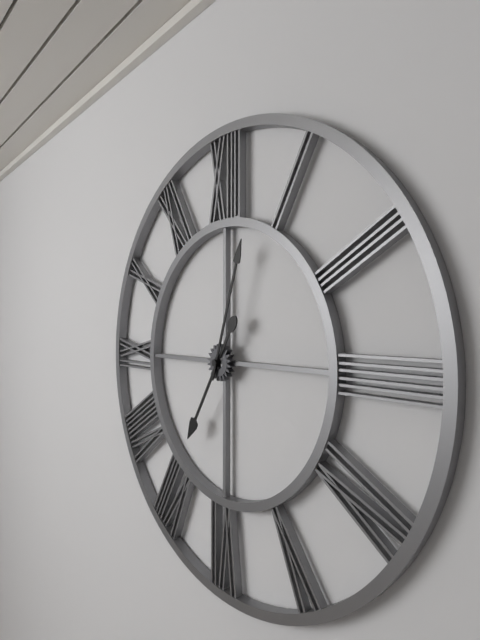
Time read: 7:03
